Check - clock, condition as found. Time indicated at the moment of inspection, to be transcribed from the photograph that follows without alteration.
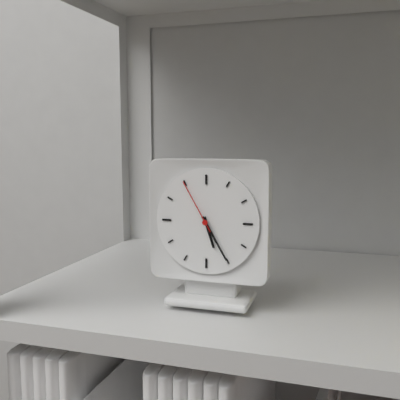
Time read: 5:25:55
